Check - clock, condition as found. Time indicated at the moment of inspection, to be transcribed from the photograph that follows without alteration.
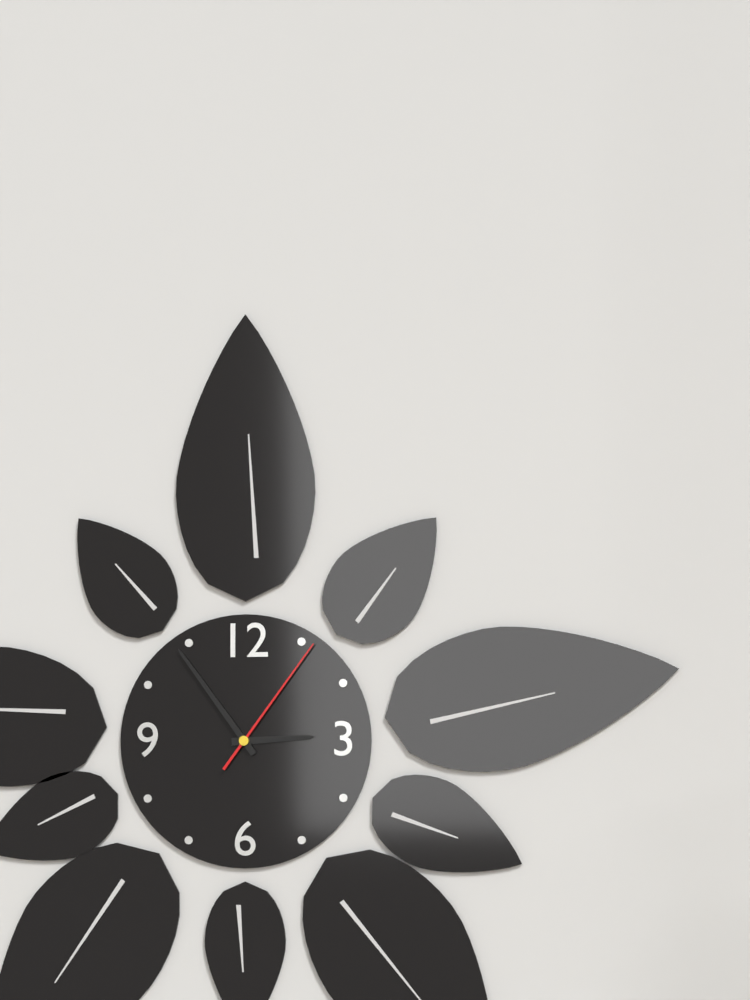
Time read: 2:54:06
